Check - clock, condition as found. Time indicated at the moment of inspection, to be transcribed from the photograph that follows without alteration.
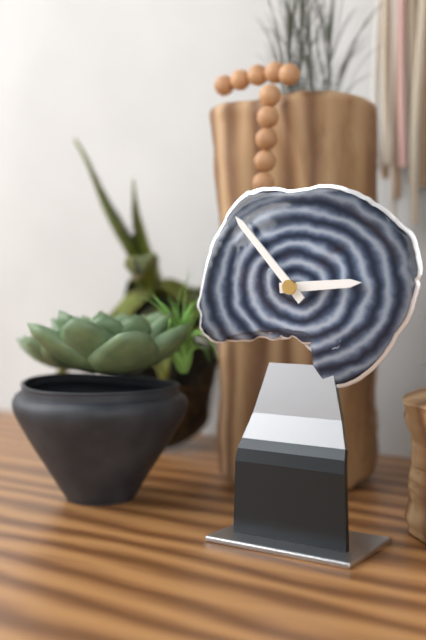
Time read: 2:53
